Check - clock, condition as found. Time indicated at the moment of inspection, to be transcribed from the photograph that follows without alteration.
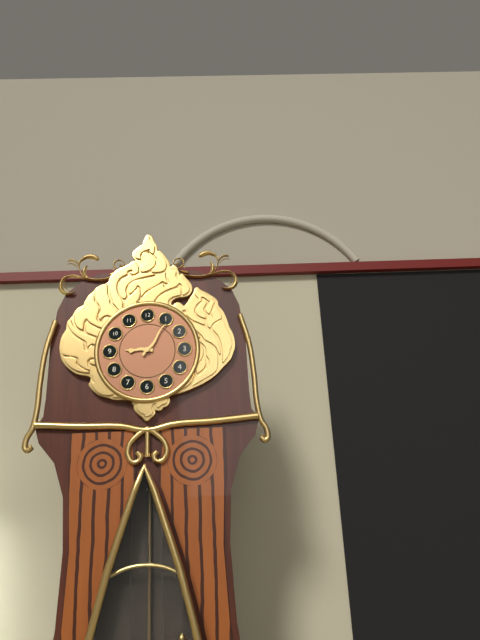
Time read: 9:06
